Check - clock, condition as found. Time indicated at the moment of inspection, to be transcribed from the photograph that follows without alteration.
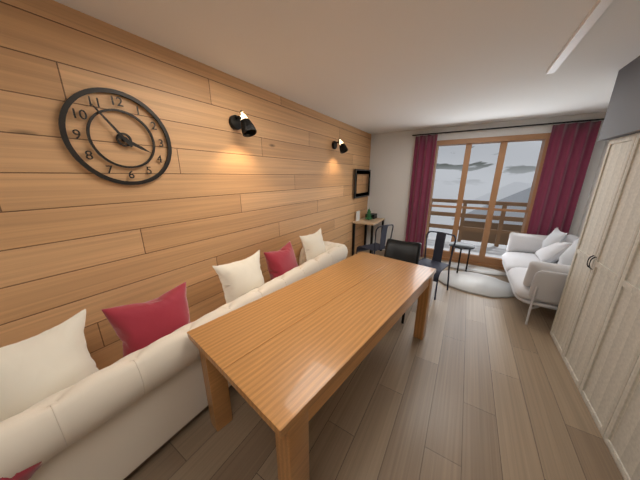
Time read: 3:54
